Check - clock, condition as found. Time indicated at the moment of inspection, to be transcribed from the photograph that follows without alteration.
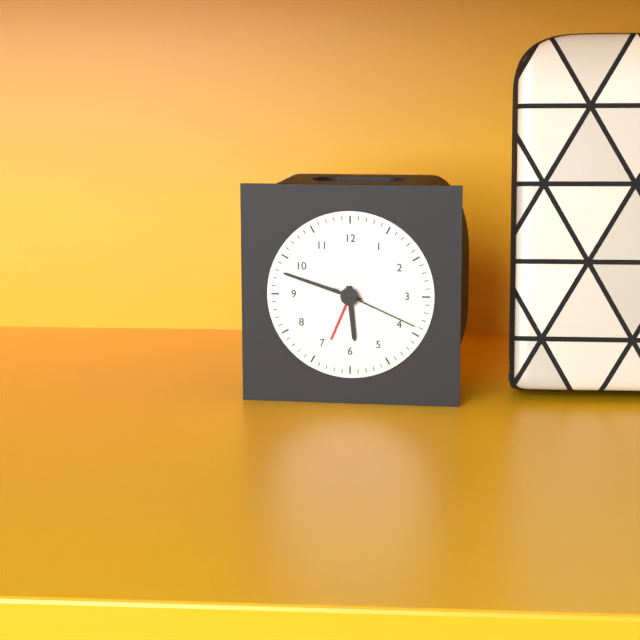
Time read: 5:48:19
